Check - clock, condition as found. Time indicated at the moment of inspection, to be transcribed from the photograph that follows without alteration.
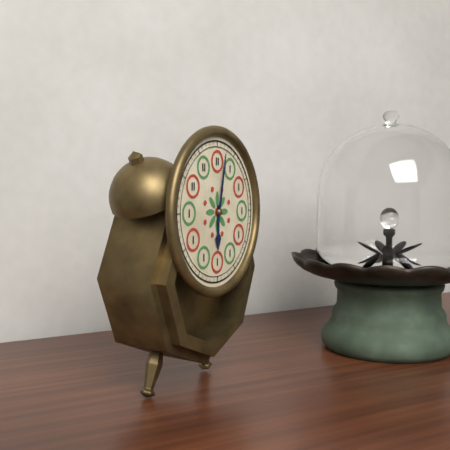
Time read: 6:02
